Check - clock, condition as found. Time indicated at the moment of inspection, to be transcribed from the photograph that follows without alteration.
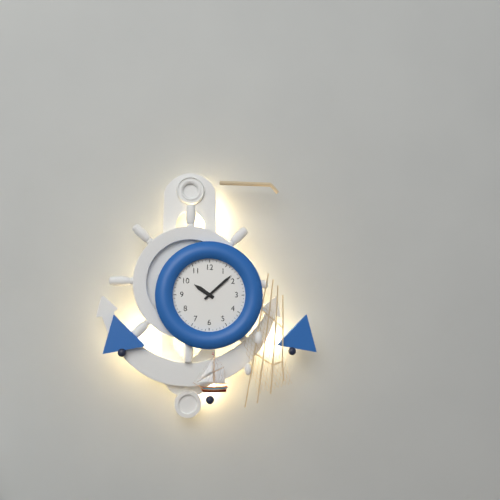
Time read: 10:08
